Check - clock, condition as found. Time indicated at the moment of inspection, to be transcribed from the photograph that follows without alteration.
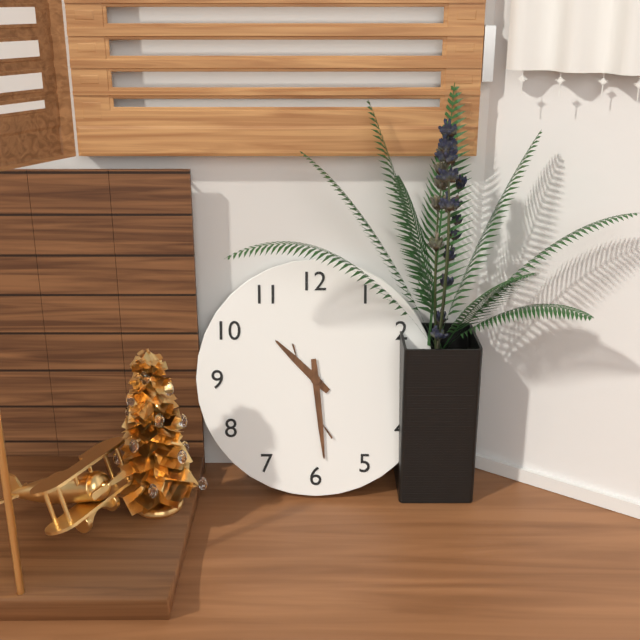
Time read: 10:29
